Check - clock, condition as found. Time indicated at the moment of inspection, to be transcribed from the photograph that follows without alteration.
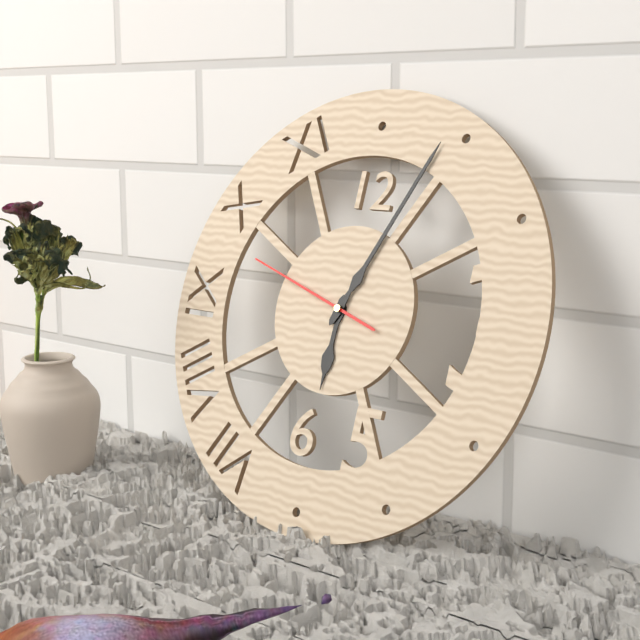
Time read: 6:04:48
